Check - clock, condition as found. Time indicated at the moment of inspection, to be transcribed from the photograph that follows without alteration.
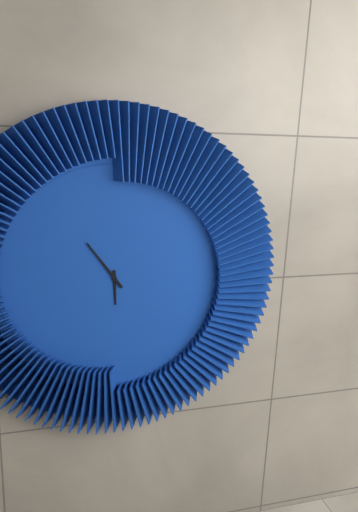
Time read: 5:54
